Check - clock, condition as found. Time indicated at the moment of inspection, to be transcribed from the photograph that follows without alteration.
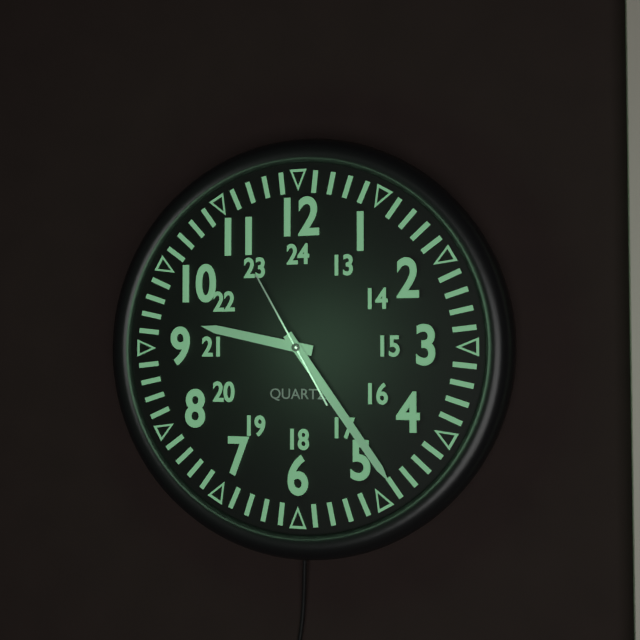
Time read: 9:24:55
